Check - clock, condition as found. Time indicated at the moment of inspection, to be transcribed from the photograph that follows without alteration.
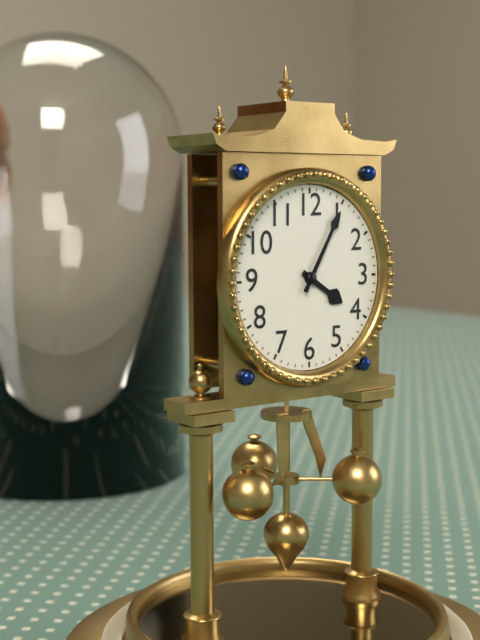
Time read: 4:05
